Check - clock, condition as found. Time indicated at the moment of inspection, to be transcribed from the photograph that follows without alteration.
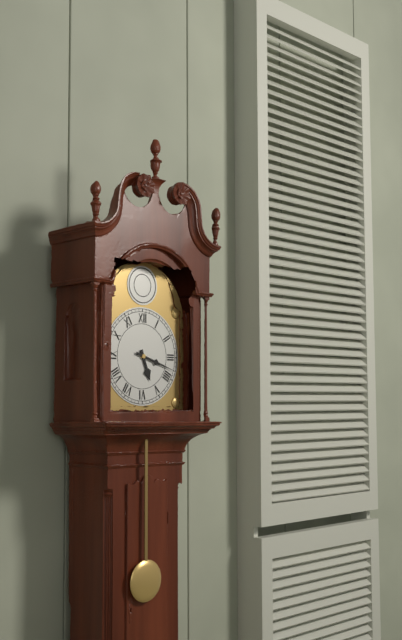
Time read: 5:18
